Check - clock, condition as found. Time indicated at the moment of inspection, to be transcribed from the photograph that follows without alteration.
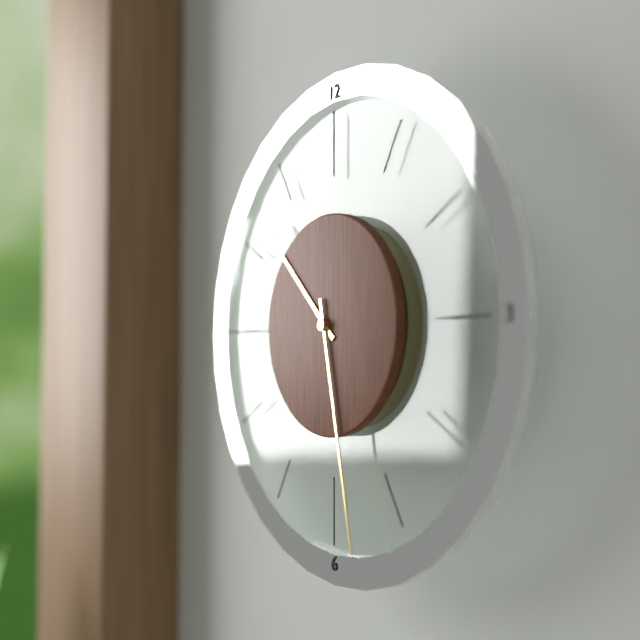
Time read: 10:28
